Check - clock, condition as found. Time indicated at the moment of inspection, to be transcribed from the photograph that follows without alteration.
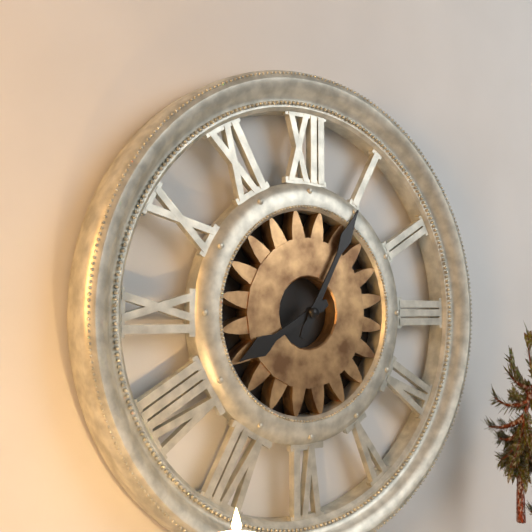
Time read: 8:05
